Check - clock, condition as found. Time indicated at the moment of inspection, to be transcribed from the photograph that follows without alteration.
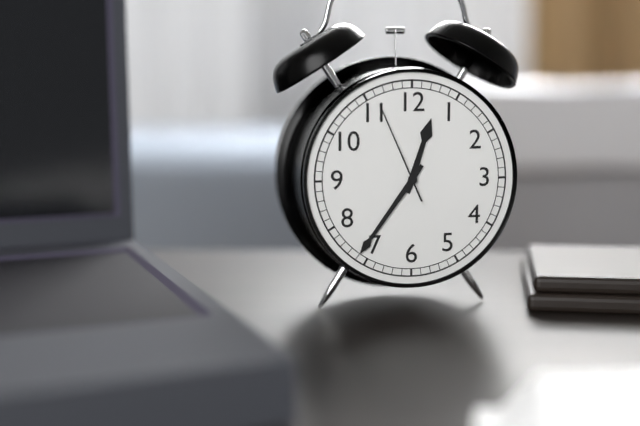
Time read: 12:36:56
